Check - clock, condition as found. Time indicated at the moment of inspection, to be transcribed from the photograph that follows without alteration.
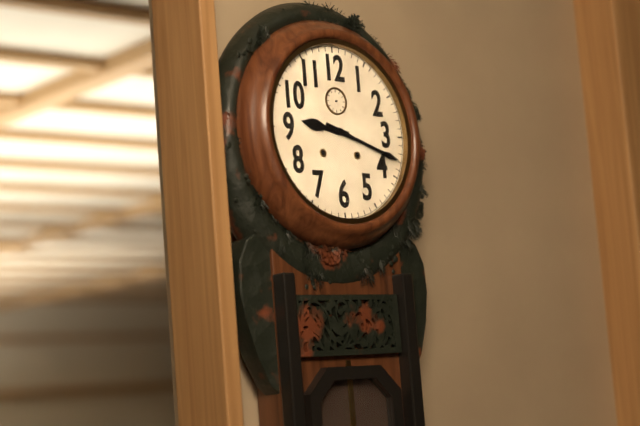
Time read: 9:18
